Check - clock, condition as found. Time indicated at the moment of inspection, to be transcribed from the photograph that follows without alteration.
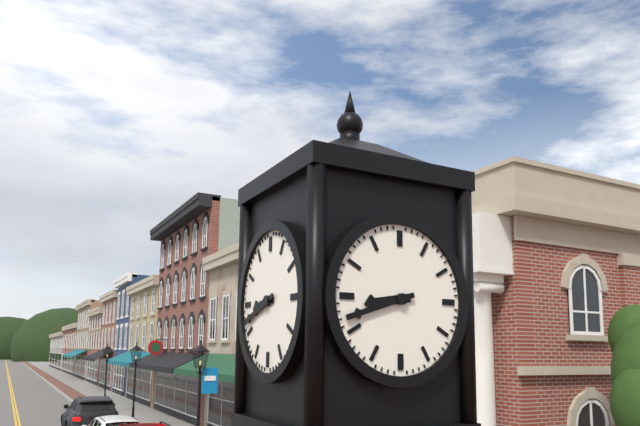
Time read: 8:42
